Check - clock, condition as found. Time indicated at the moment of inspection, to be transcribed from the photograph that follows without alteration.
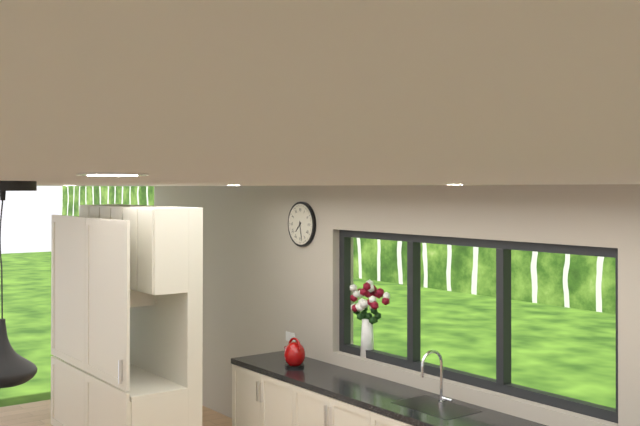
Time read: 7:28
